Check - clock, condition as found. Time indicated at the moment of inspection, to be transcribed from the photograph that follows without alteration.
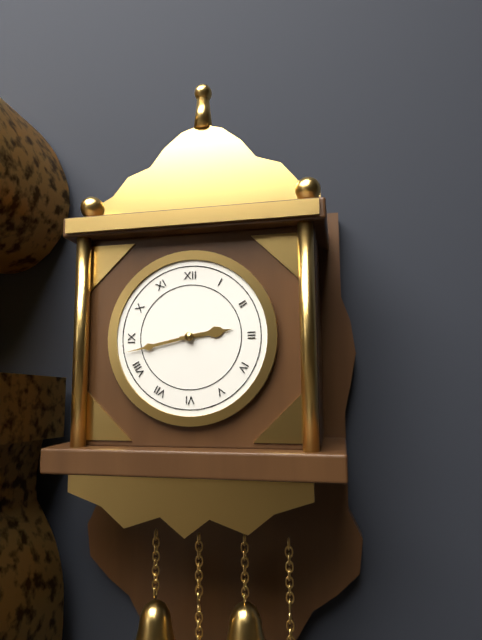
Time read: 2:43
